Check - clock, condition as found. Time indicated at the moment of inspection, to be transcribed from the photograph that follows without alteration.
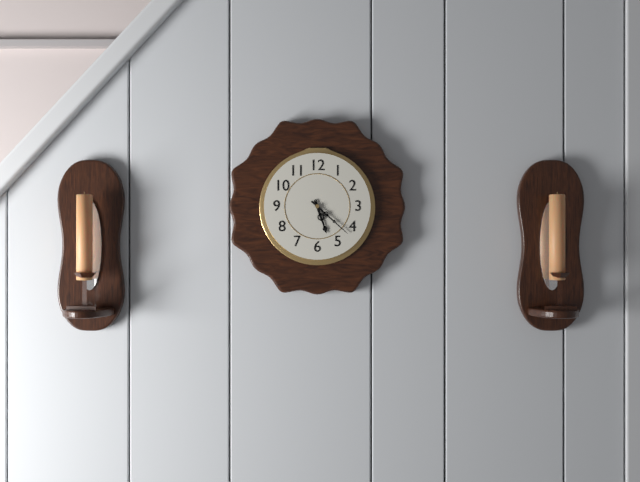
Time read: 5:22
